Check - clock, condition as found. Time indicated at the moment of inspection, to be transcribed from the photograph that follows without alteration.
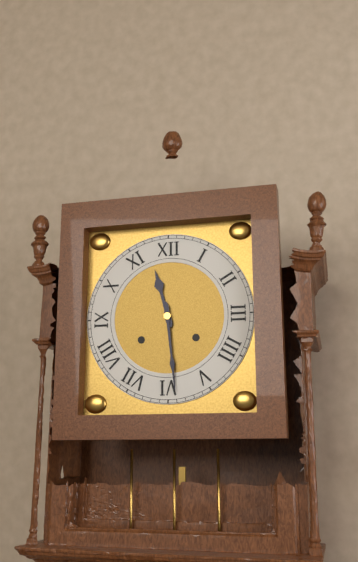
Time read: 11:29
